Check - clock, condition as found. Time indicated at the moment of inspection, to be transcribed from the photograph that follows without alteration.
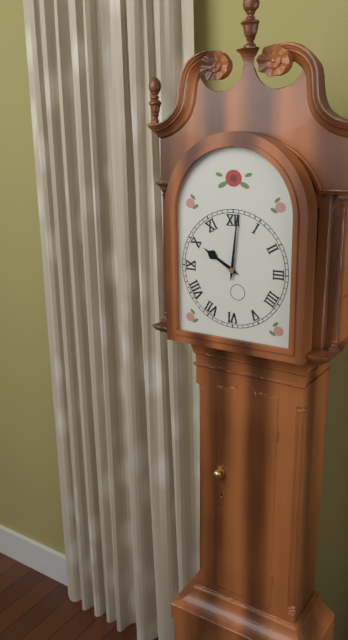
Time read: 10:01
